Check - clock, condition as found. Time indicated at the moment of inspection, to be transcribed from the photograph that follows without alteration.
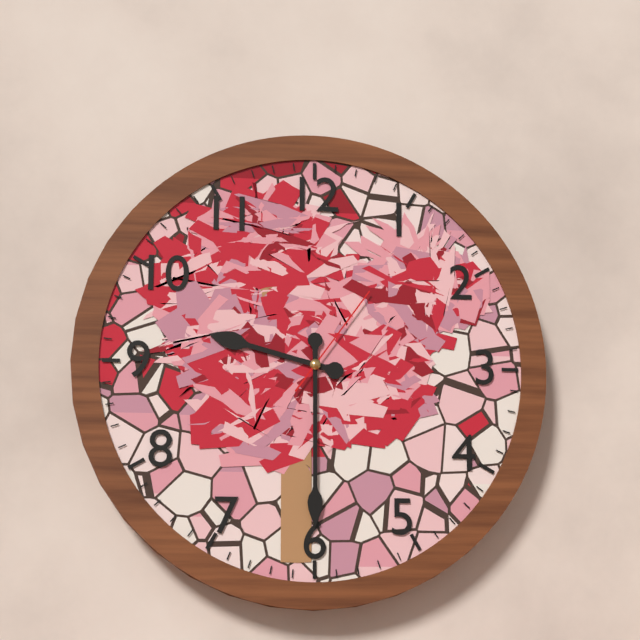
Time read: 9:30:06
